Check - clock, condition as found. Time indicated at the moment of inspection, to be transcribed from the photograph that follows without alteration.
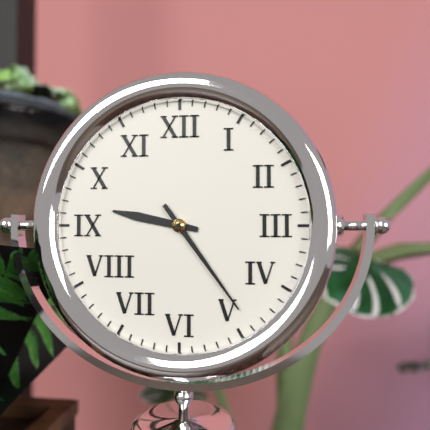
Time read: 9:24
